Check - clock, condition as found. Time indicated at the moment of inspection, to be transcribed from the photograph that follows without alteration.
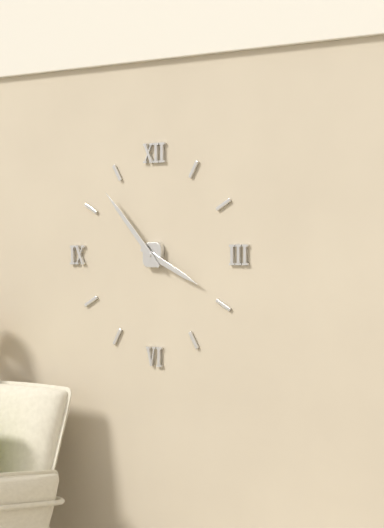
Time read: 3:53
